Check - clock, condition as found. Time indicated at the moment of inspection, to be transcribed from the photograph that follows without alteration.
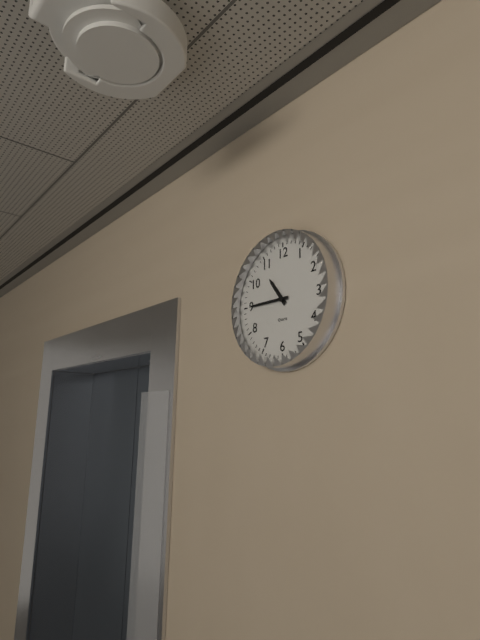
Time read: 10:45
